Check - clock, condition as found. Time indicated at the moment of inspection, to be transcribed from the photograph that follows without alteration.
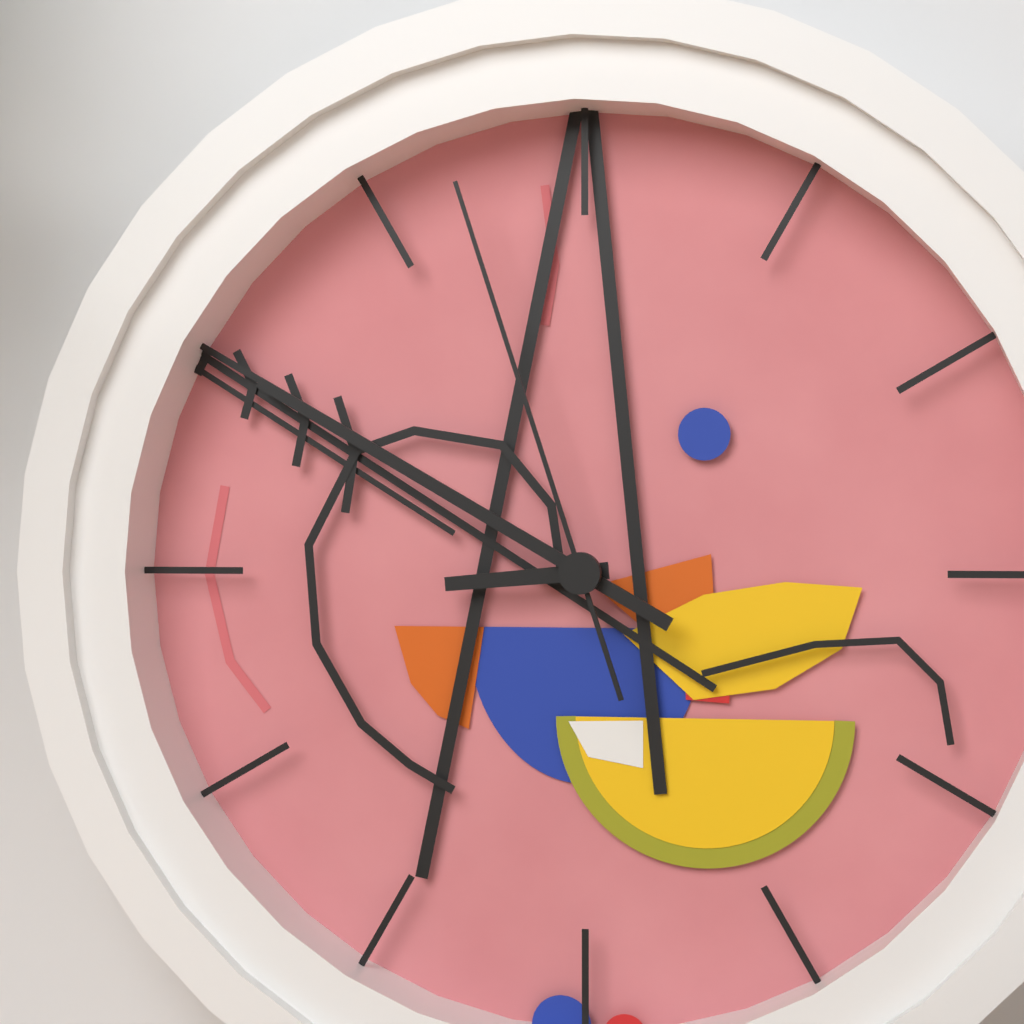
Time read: 8:50:57
